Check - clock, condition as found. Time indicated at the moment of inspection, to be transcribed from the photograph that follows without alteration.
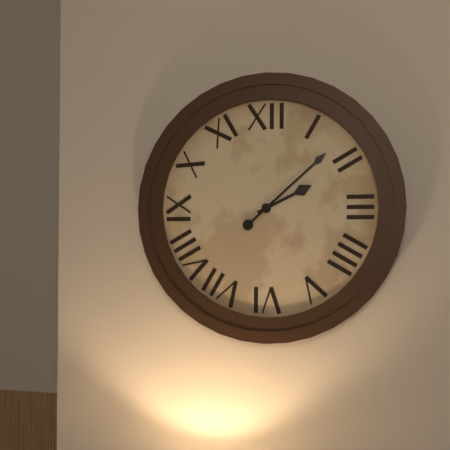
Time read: 2:08
